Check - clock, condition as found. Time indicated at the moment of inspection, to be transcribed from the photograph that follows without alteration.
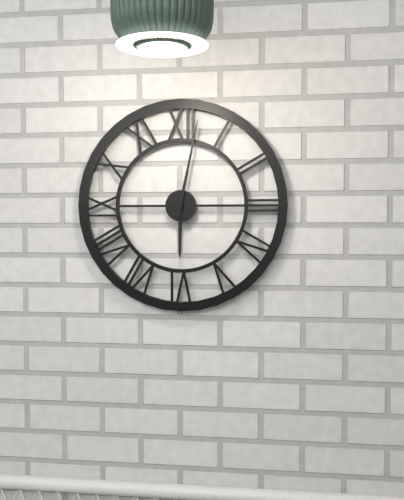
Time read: 6:02
